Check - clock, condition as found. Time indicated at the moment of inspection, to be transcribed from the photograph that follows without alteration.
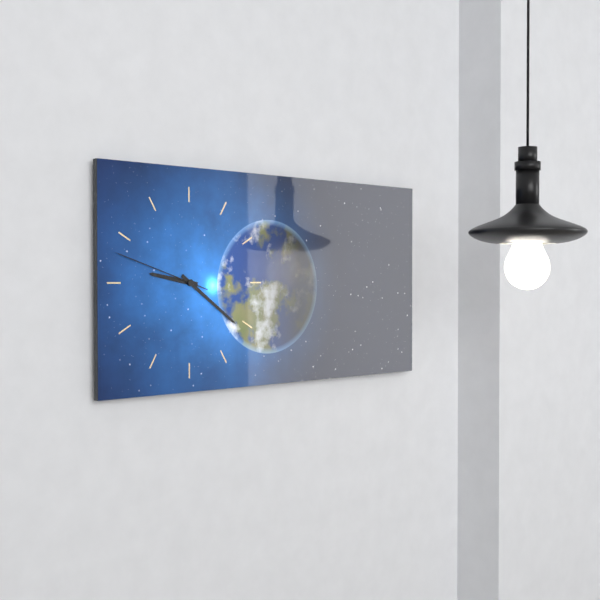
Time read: 9:21:48
